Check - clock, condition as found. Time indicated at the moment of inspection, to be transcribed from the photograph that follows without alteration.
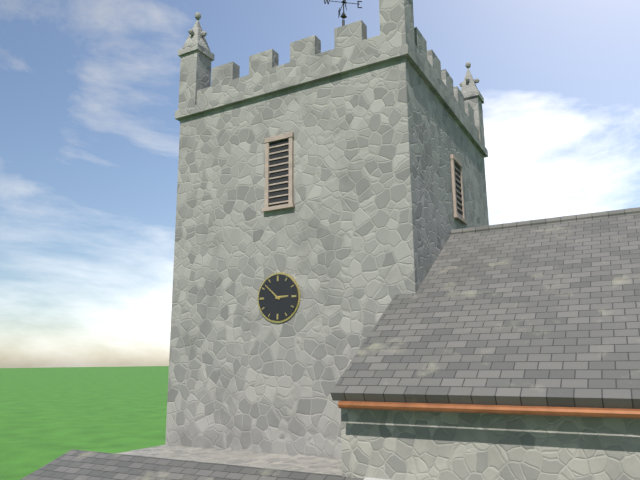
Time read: 2:52
